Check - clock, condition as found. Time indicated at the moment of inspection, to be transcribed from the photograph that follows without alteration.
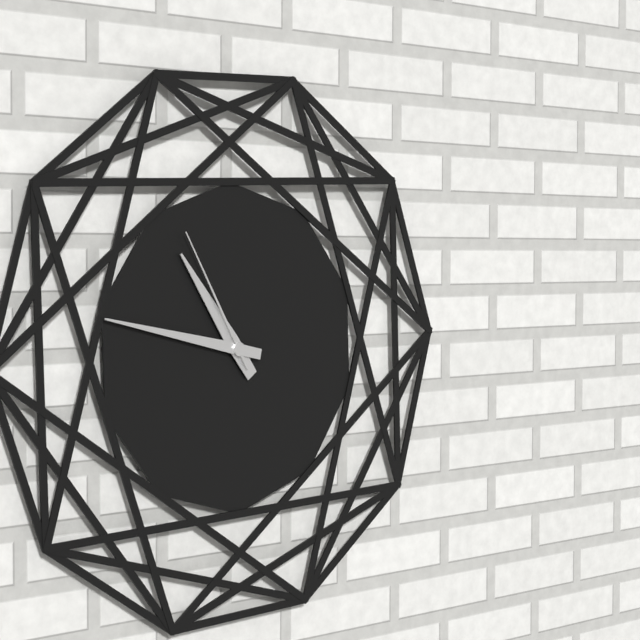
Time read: 10:47:55
